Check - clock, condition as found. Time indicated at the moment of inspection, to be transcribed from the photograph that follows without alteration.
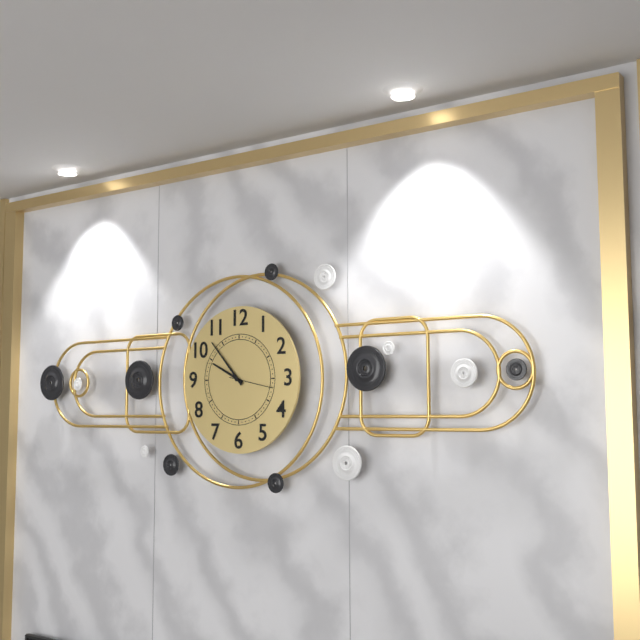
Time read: 9:53
